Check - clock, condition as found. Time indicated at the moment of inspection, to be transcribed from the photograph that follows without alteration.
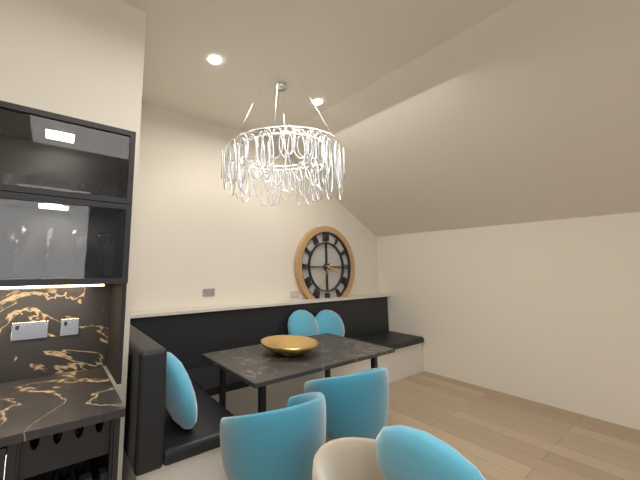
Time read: 3:35
